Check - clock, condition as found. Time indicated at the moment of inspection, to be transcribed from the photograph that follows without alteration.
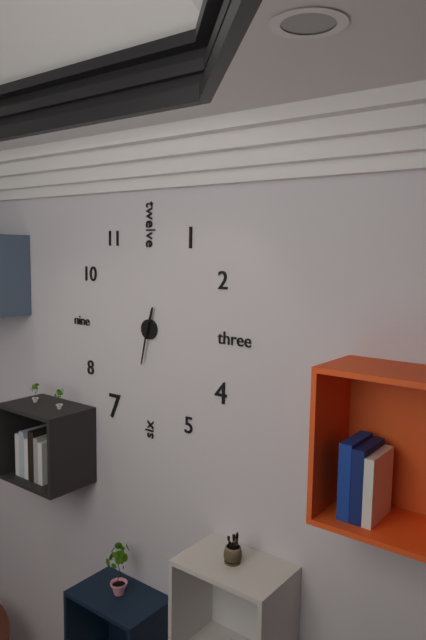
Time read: 12:32
